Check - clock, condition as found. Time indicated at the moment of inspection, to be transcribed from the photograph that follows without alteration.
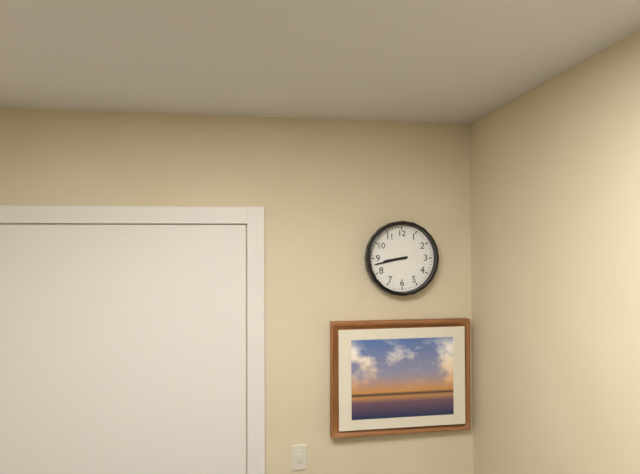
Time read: 8:43
